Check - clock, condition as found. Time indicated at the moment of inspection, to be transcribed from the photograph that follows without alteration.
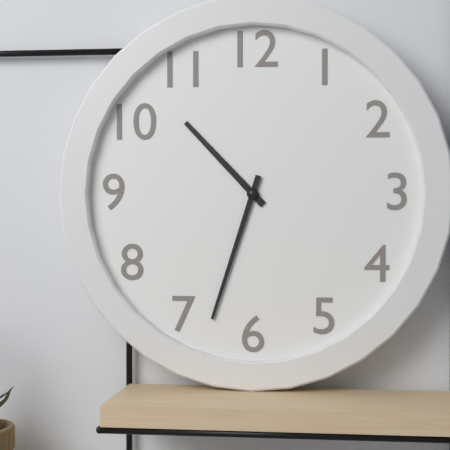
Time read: 10:33
